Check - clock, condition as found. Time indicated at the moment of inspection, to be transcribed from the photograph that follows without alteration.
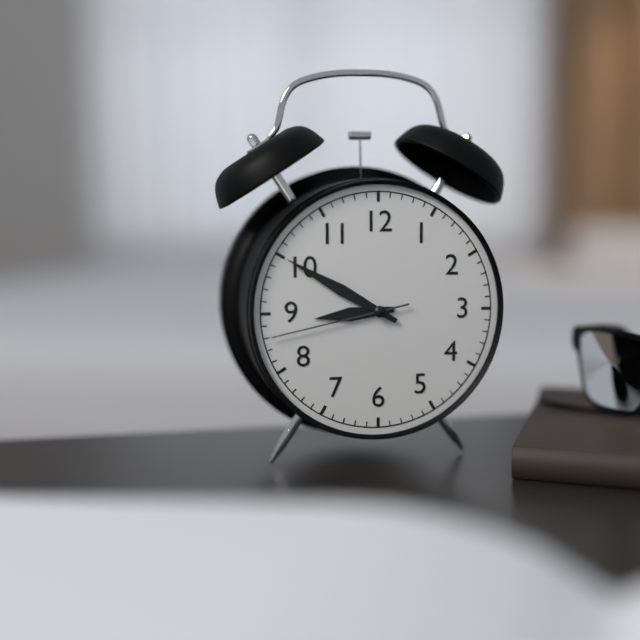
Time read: 8:50:43
